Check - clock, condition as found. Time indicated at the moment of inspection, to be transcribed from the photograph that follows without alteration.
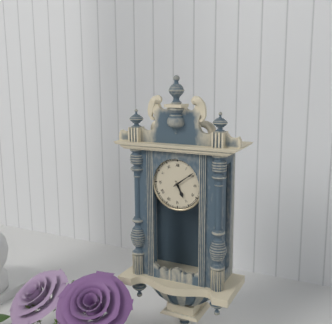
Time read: 5:09
